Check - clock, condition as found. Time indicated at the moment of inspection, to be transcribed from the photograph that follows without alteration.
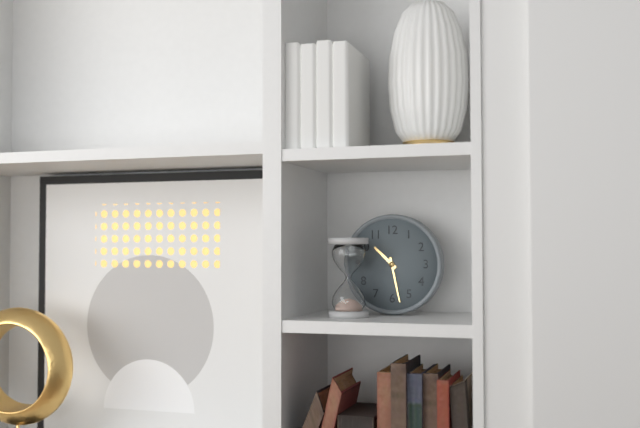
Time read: 10:28
